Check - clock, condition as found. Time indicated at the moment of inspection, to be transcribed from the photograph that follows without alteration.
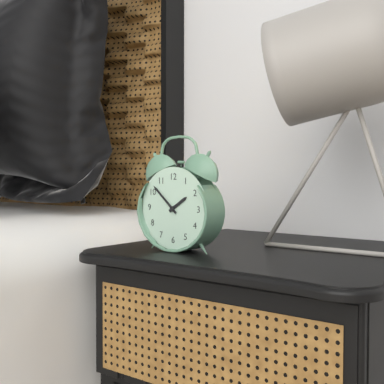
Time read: 1:52
